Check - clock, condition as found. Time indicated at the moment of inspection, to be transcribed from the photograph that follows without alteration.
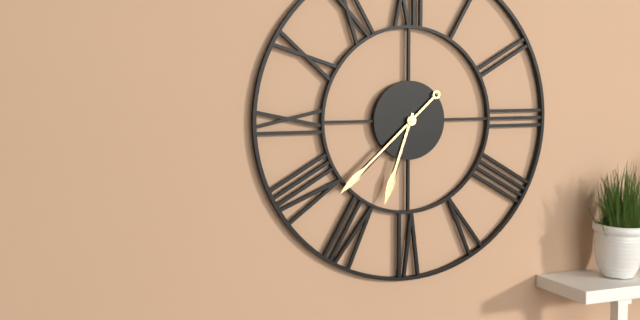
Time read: 6:38
